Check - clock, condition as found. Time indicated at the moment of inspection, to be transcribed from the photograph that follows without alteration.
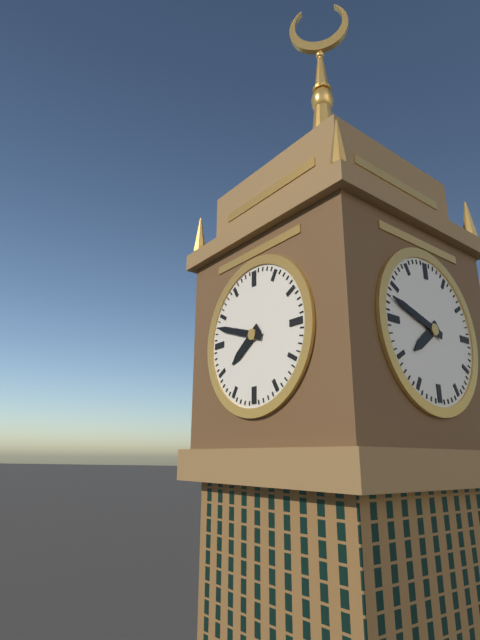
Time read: 7:48
